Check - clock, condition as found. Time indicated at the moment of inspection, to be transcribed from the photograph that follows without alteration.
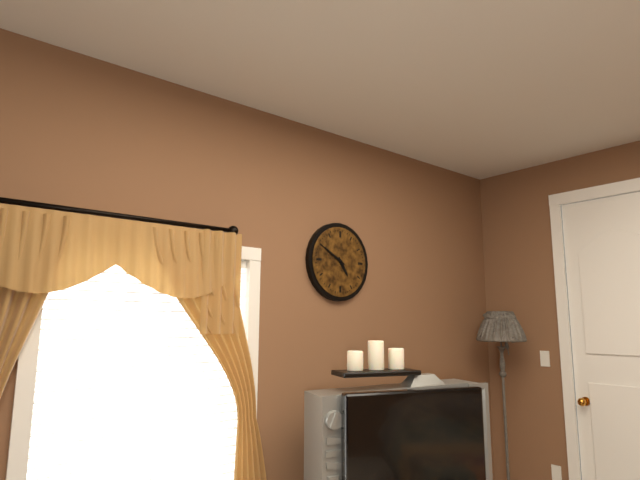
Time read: 4:50
